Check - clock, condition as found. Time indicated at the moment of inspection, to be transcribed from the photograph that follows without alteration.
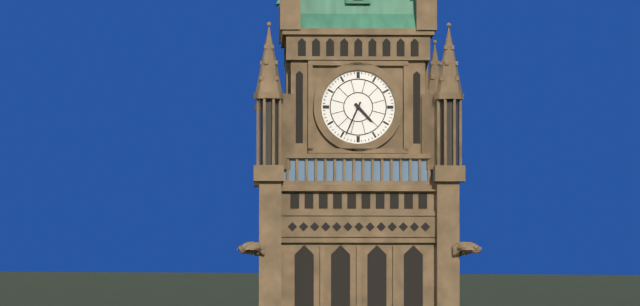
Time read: 4:34
